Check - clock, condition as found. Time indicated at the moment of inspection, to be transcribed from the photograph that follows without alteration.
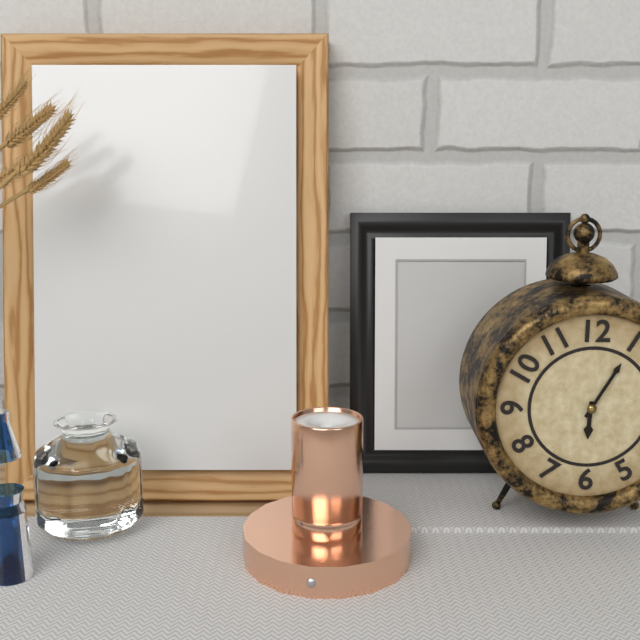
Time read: 6:05
